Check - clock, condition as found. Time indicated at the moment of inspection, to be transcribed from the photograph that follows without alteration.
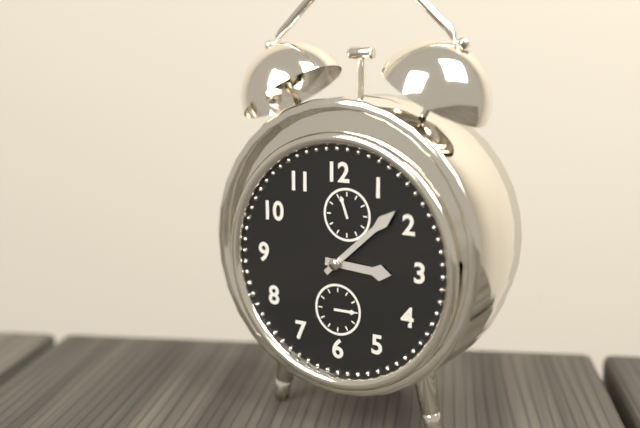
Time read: 3:08
